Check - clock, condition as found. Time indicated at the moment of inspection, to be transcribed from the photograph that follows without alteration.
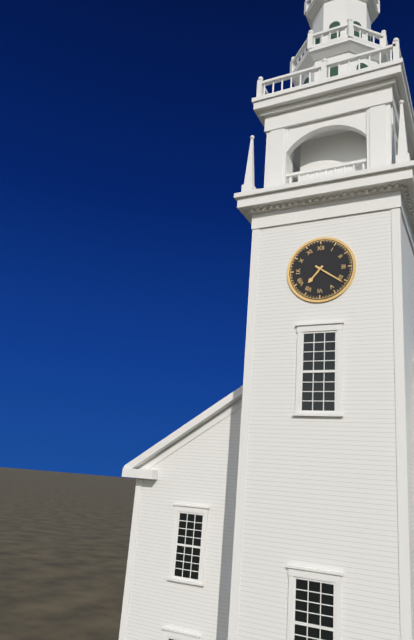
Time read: 7:21
